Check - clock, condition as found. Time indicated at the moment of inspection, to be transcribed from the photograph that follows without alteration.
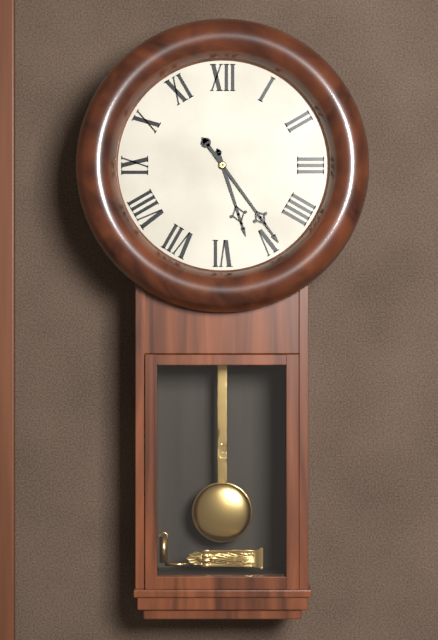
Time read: 5:24
